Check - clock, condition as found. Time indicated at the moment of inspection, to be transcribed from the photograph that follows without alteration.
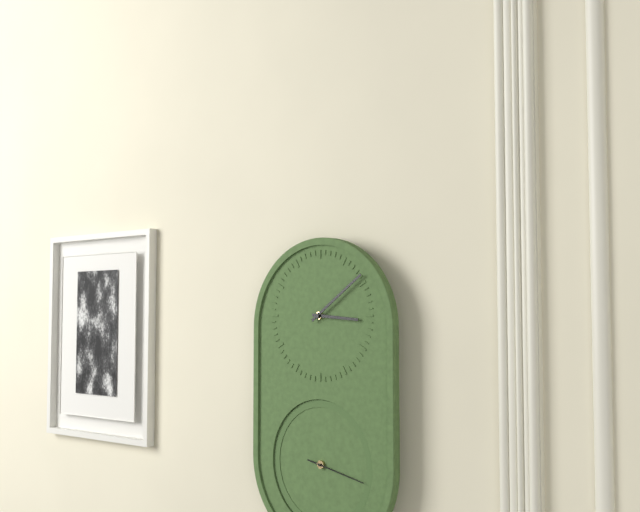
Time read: 3:09:17
